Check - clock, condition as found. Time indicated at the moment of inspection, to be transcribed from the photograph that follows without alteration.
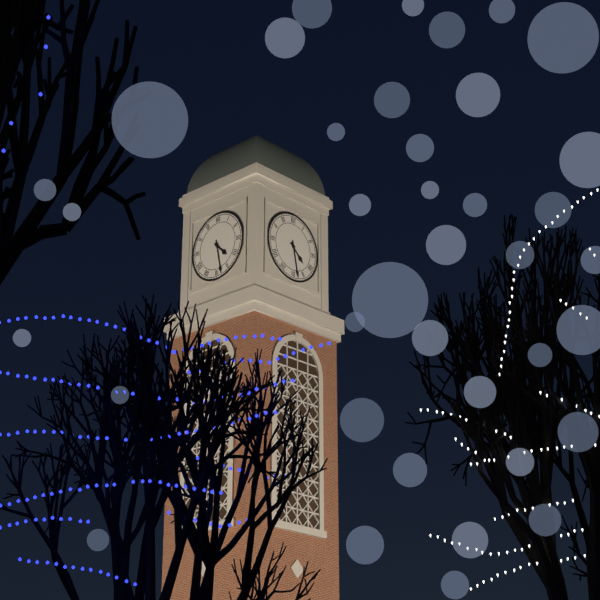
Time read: 4:28
